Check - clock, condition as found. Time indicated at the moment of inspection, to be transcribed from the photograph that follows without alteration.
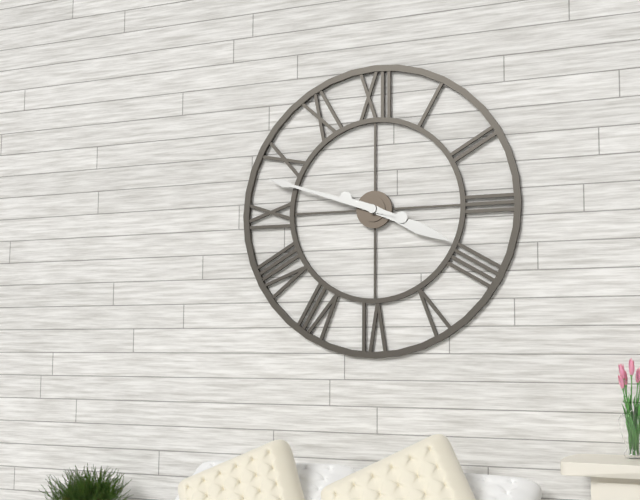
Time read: 3:48
